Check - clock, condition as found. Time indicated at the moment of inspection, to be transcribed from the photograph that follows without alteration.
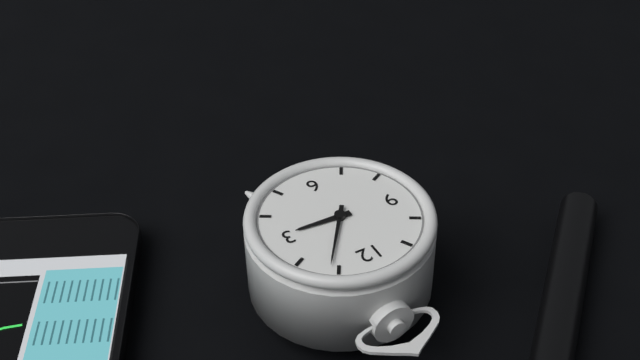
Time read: 3:06
